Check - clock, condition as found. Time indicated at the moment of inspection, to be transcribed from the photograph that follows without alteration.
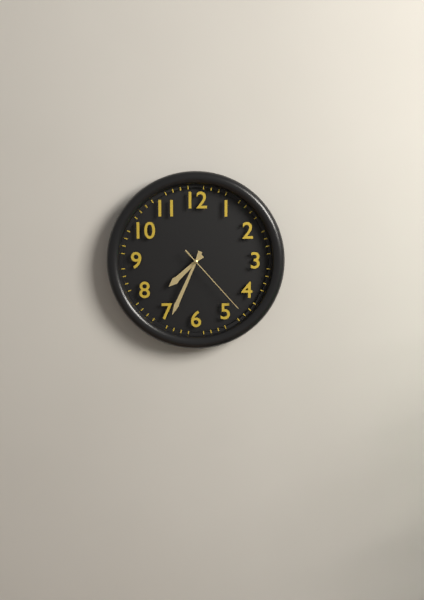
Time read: 7:34:23
